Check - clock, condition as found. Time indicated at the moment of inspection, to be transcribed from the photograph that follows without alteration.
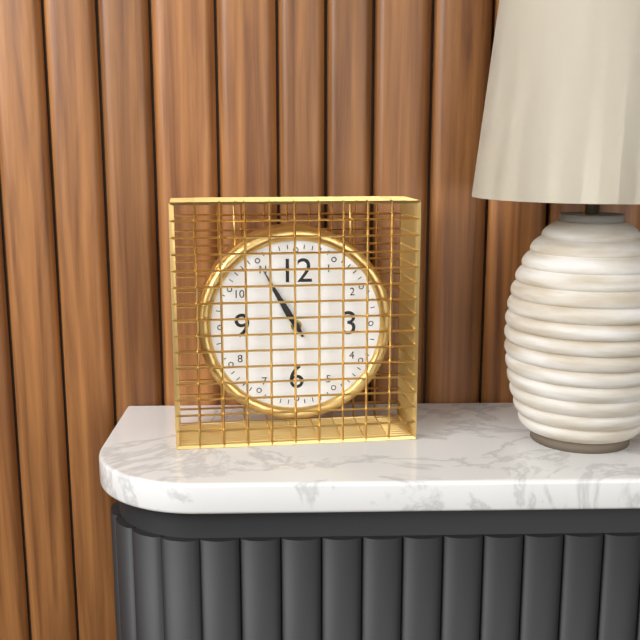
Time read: 10:55
